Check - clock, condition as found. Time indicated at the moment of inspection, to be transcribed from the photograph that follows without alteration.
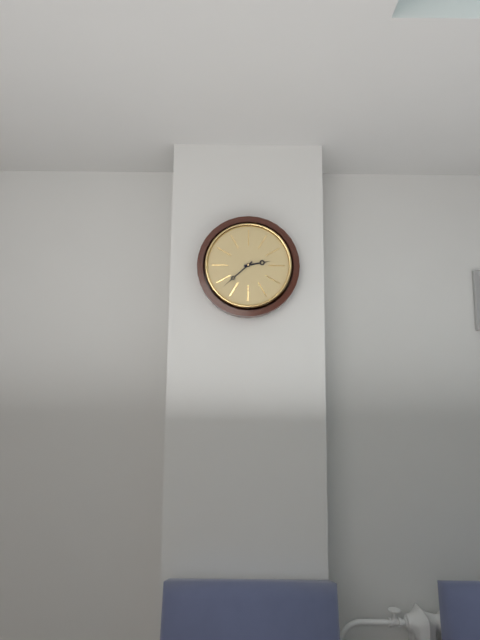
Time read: 2:38
